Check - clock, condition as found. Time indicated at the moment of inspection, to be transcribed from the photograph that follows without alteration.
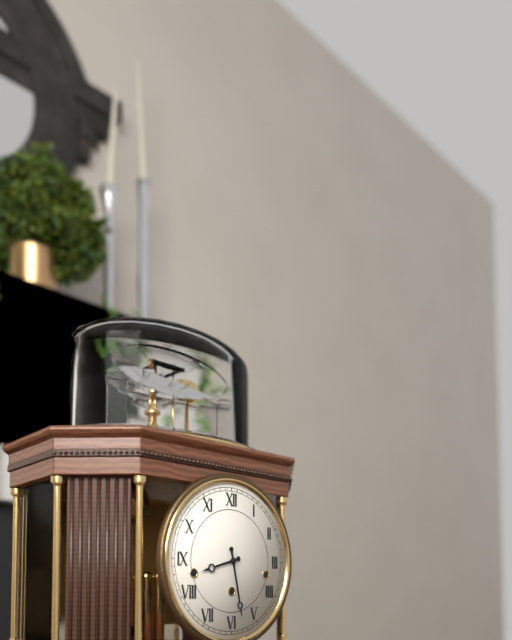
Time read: 8:28
